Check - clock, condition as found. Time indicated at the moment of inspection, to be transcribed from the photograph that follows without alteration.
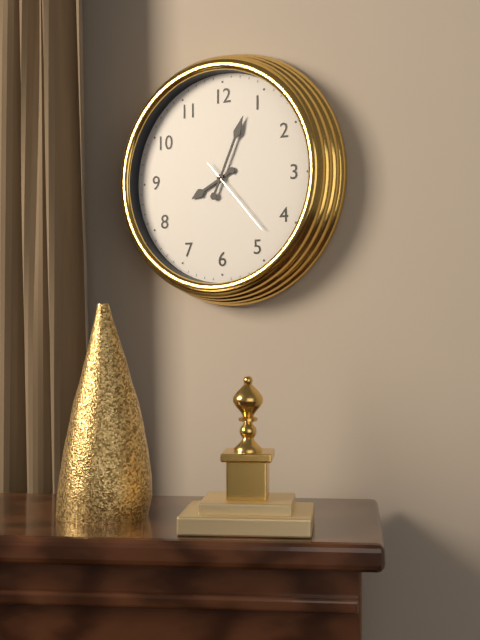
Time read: 8:04:23
